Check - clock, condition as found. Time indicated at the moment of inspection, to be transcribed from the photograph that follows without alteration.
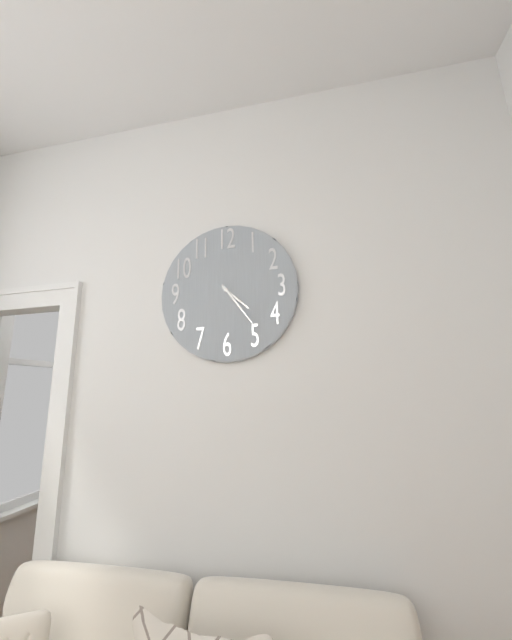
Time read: 4:24
